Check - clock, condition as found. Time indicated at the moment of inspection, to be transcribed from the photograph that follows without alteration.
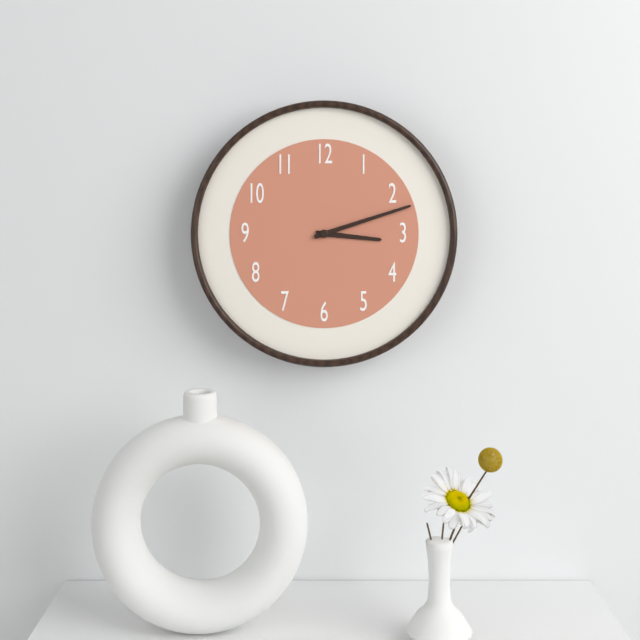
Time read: 3:12
